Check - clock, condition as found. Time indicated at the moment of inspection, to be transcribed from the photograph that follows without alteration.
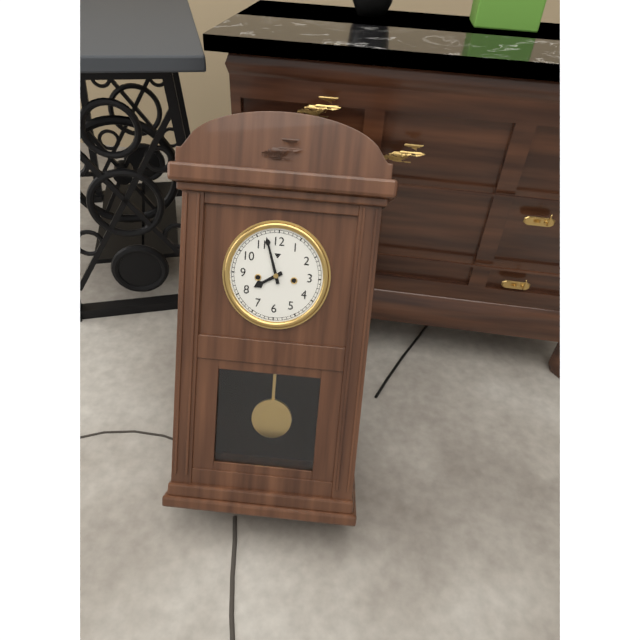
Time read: 7:57
